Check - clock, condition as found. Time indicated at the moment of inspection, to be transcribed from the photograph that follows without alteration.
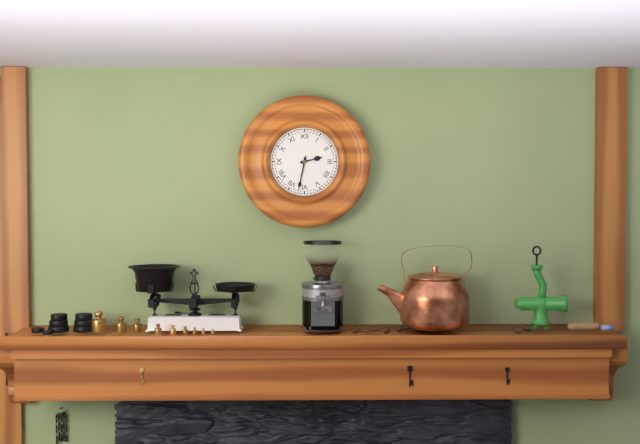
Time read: 2:32
